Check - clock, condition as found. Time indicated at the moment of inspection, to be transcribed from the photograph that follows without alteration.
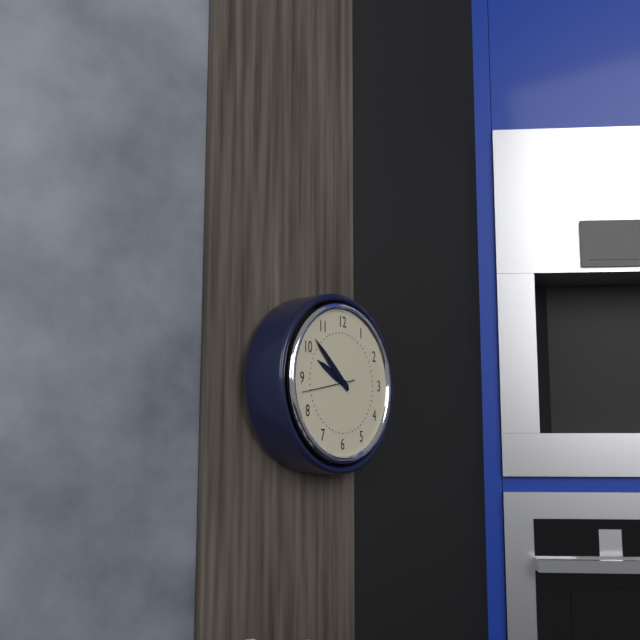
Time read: 9:52:43
